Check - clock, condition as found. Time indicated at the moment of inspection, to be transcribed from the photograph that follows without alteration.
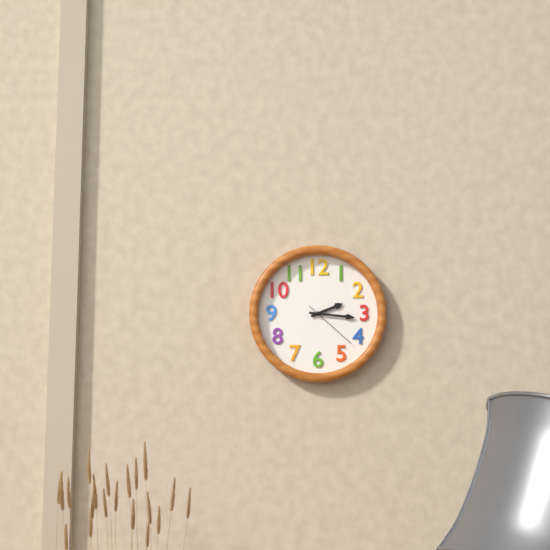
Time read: 2:16:22
